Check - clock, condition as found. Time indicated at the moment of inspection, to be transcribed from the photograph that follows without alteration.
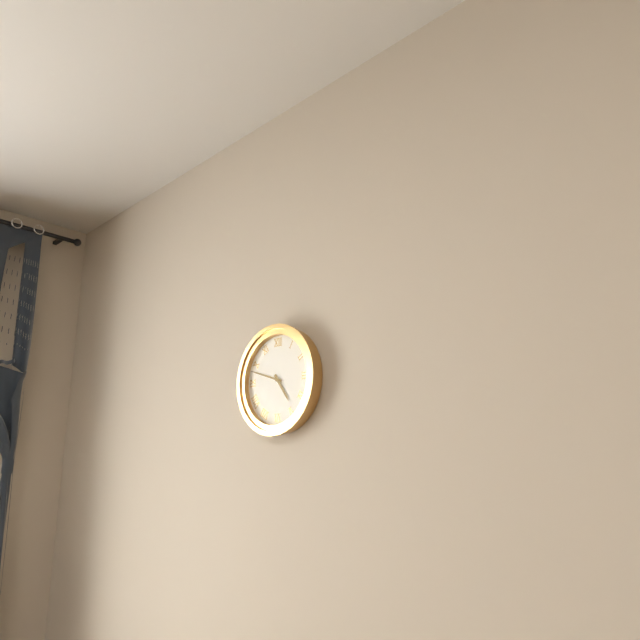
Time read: 4:48
